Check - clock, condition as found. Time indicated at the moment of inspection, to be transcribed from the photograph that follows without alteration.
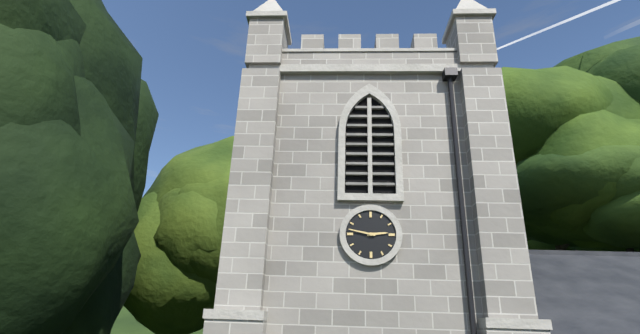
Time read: 2:47
